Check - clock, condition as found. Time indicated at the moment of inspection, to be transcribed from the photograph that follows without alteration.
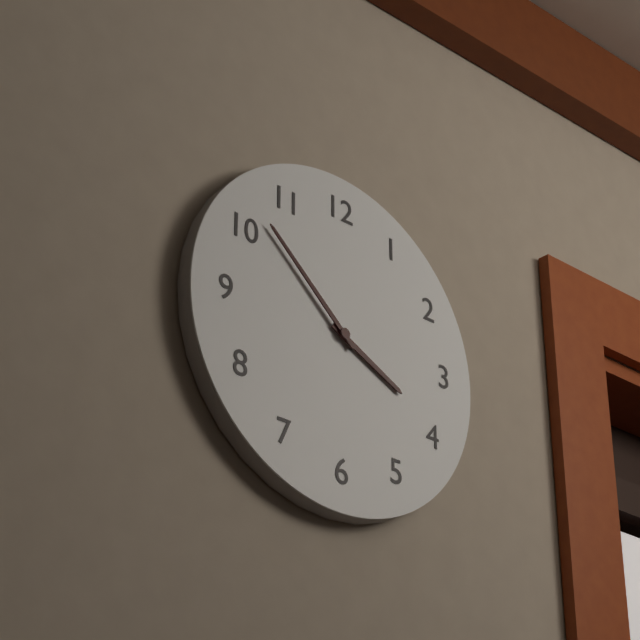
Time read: 3:52
